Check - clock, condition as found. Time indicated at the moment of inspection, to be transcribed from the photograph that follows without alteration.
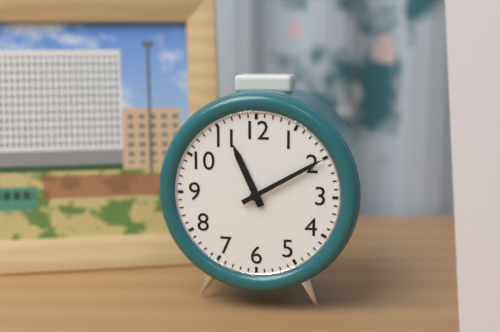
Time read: 11:10
